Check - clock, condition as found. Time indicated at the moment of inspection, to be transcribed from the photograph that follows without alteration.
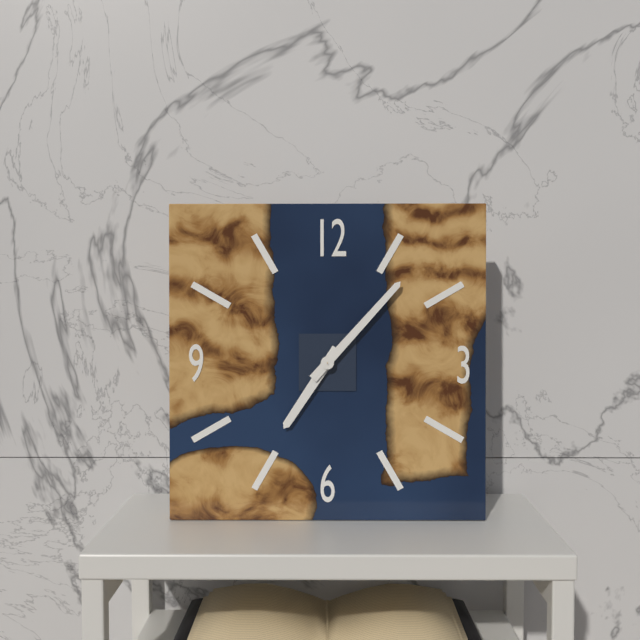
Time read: 7:07
